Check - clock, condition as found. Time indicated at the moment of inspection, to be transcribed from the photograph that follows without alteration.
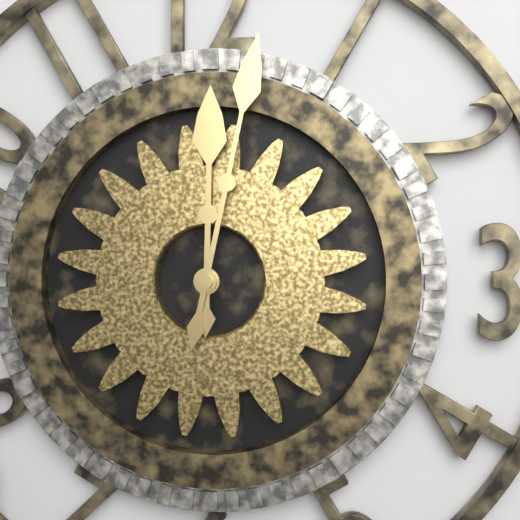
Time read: 12:02
